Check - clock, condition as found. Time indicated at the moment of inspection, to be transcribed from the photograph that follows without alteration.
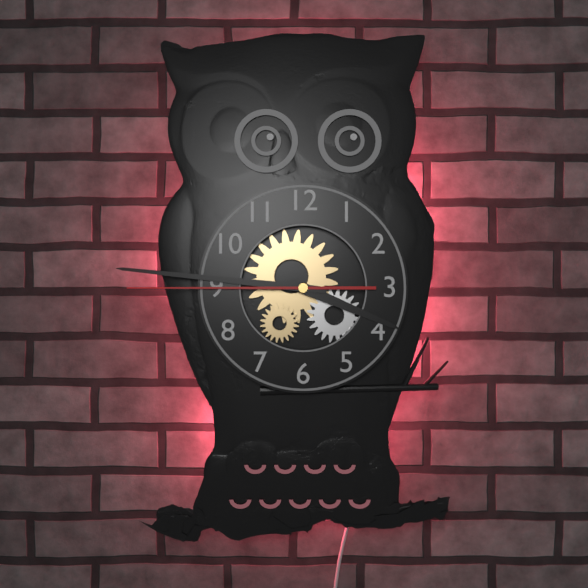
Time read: 3:46:45
